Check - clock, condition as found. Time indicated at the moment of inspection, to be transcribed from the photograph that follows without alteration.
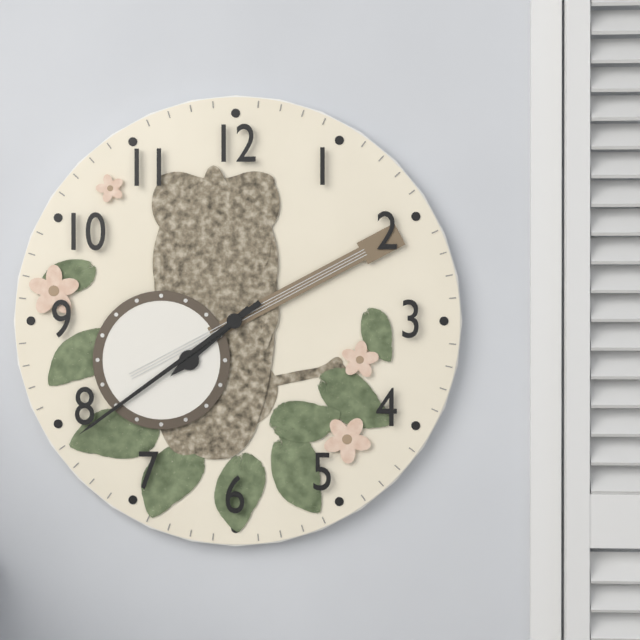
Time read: 7:39
